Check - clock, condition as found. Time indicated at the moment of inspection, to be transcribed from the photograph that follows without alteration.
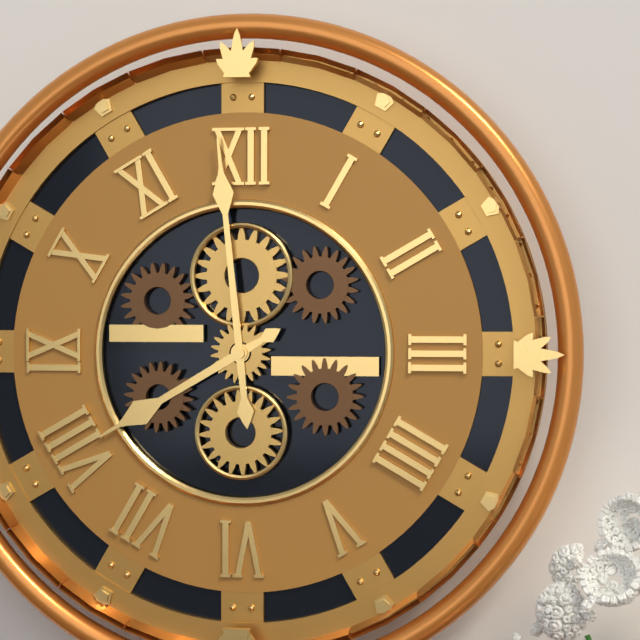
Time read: 7:59
